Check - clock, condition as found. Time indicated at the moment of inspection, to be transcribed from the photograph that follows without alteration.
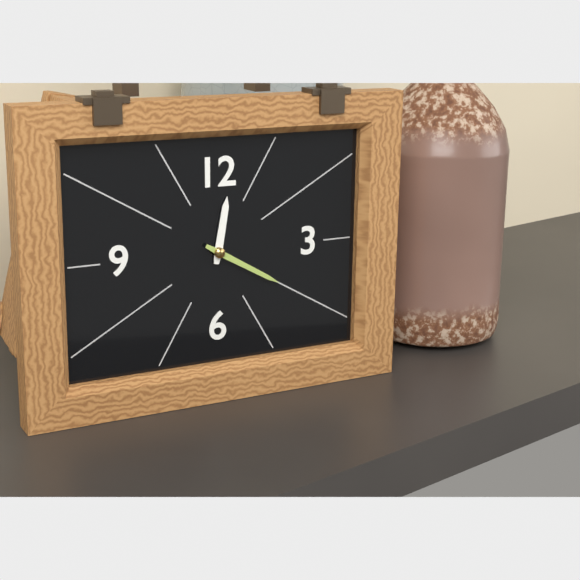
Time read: 12:20
